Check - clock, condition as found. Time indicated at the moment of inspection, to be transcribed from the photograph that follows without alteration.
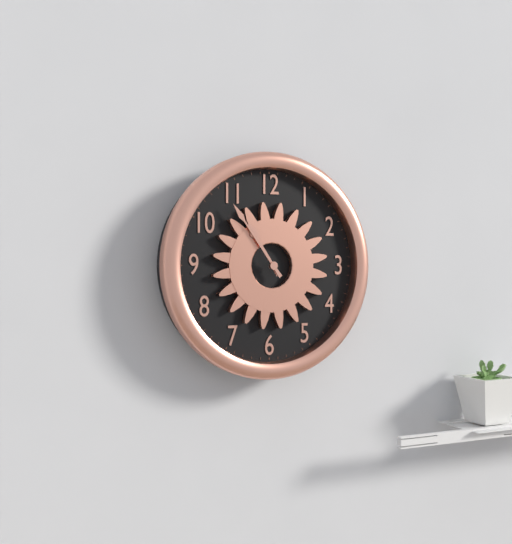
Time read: 10:54
